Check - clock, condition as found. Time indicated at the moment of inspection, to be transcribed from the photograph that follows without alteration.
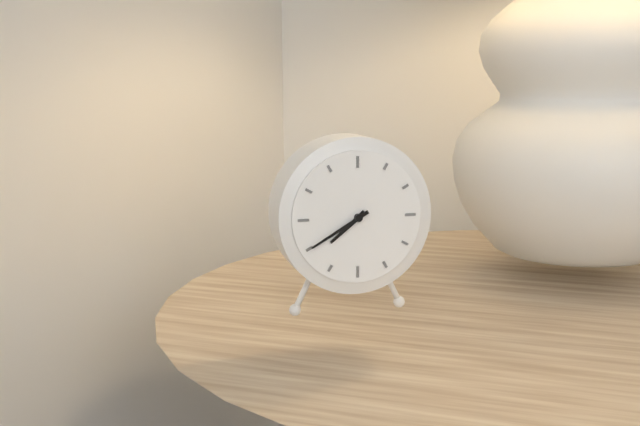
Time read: 7:40
